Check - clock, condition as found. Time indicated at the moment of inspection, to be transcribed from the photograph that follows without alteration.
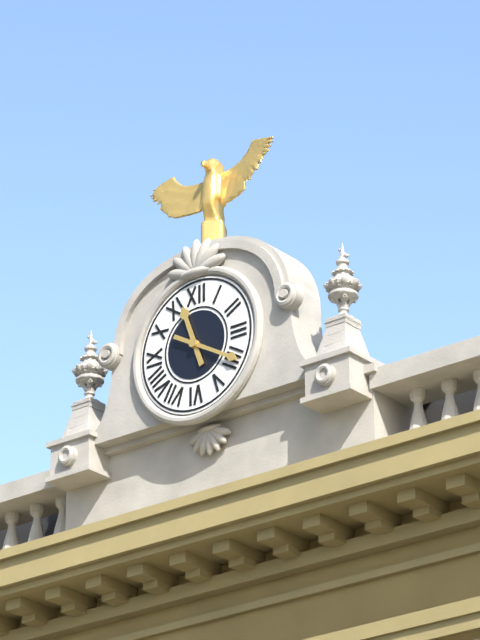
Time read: 11:20
